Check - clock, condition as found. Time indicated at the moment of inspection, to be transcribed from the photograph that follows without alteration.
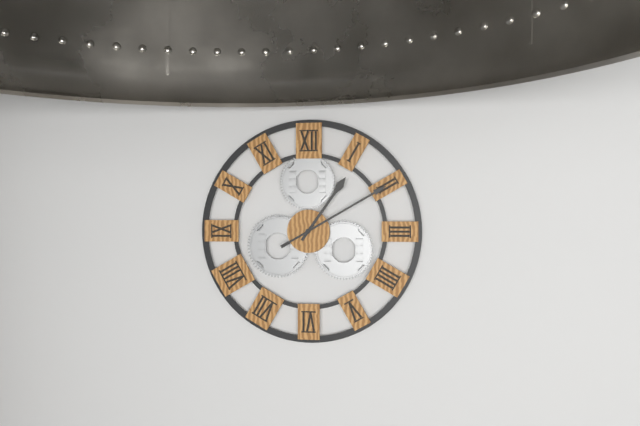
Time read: 1:10
